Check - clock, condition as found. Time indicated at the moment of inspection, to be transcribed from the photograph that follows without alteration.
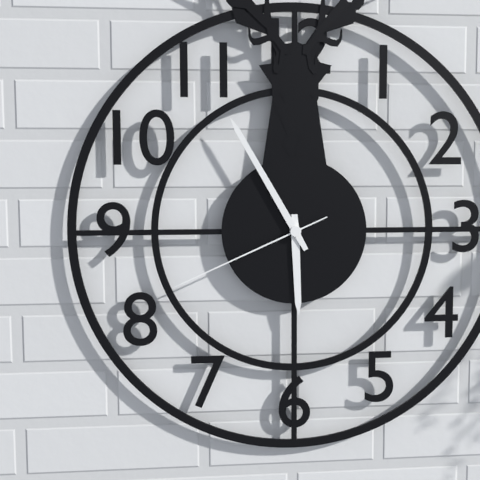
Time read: 5:55:41
